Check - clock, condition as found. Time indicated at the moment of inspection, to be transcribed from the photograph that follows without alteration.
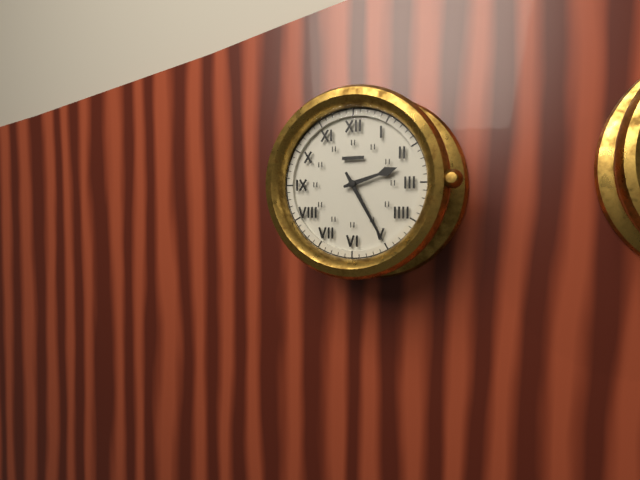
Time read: 2:25
